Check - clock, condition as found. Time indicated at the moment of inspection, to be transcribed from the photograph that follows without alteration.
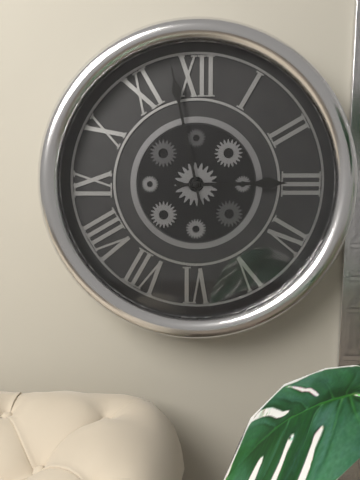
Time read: 2:58
